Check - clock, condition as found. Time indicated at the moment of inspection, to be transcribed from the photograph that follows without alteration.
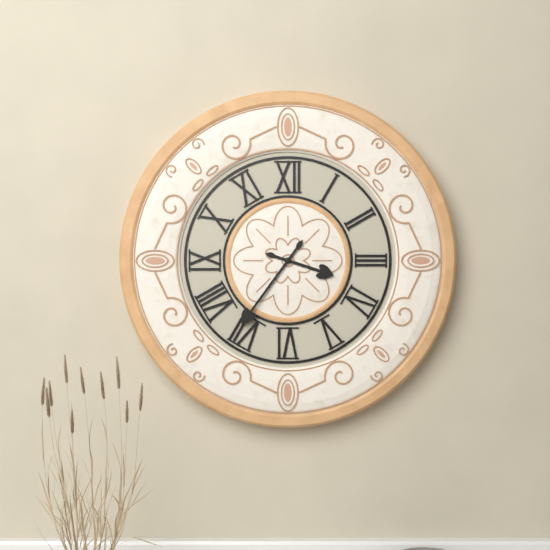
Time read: 3:36
